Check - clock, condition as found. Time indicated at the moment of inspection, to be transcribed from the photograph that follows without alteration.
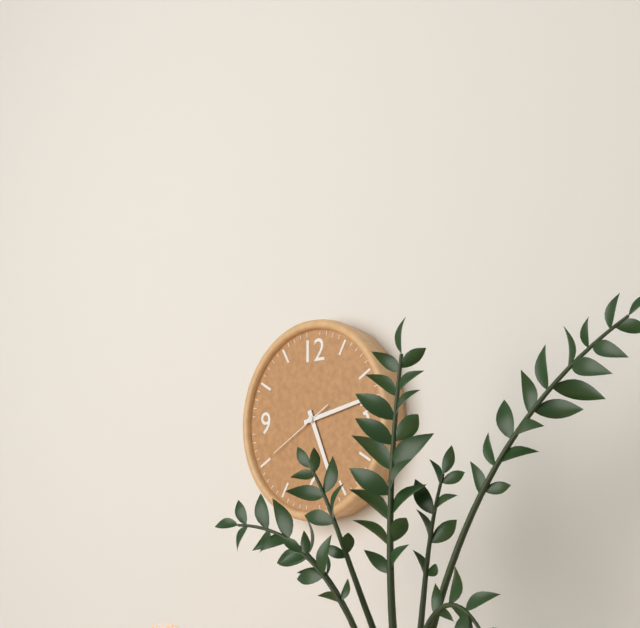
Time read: 5:13:40
